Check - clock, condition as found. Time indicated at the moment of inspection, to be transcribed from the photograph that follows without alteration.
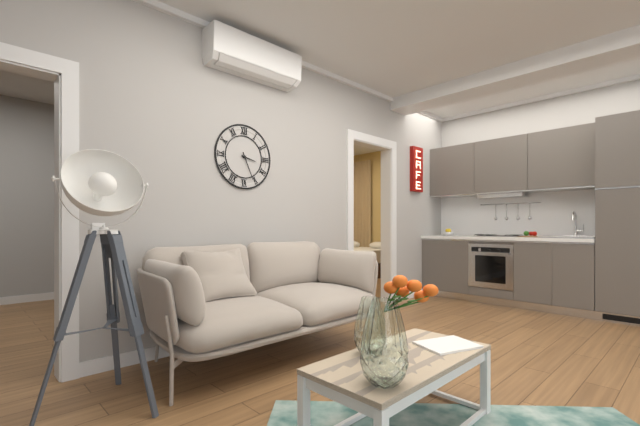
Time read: 3:26
